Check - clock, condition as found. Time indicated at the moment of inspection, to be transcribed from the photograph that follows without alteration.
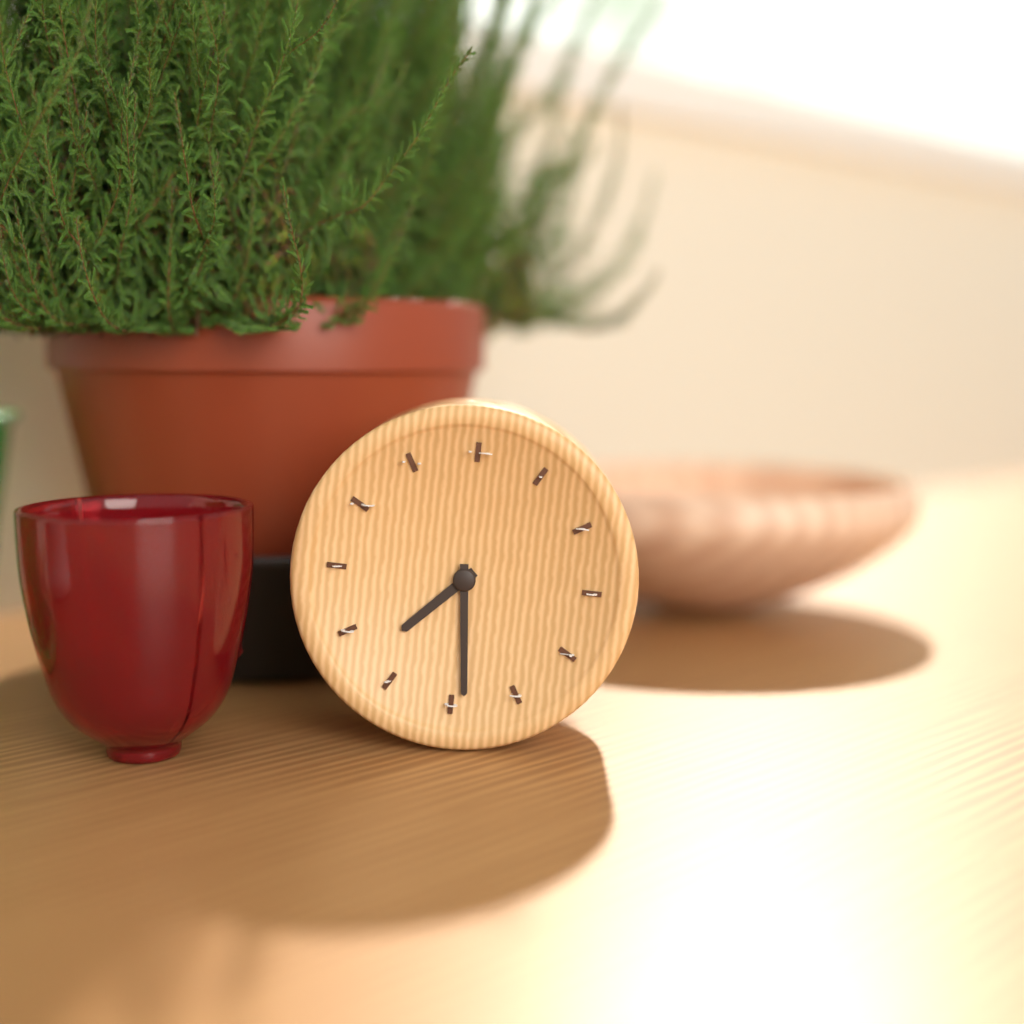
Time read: 7:29
